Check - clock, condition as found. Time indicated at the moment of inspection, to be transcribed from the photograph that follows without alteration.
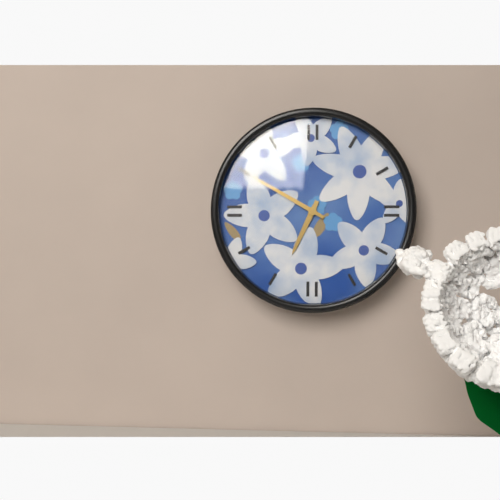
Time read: 6:50
